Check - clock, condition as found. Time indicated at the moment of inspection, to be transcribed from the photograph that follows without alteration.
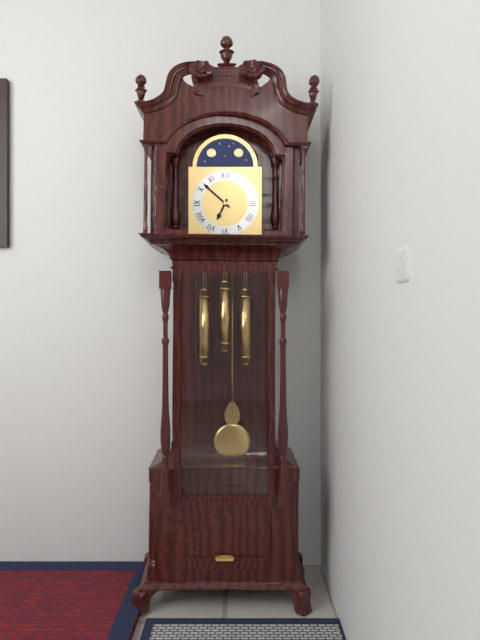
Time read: 6:52
